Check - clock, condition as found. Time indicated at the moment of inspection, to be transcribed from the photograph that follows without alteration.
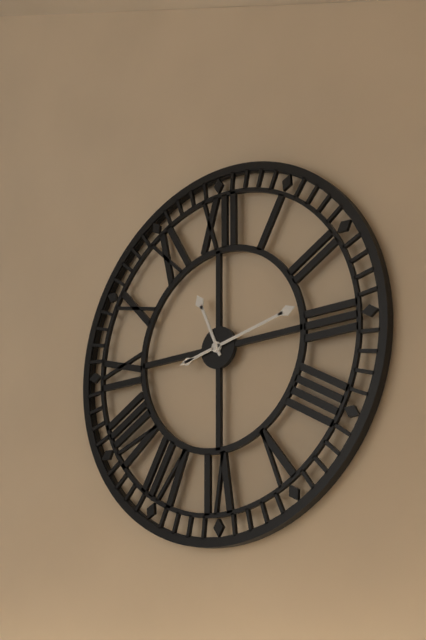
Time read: 11:13
